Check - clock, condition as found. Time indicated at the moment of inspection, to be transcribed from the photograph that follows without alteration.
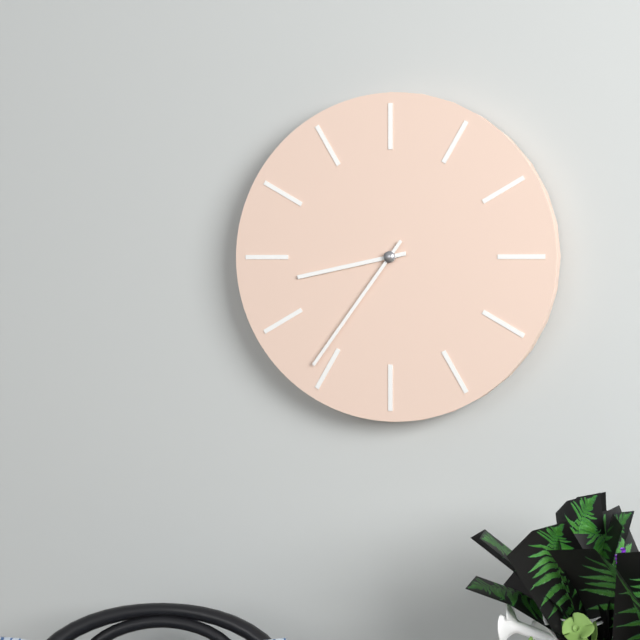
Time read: 8:36
